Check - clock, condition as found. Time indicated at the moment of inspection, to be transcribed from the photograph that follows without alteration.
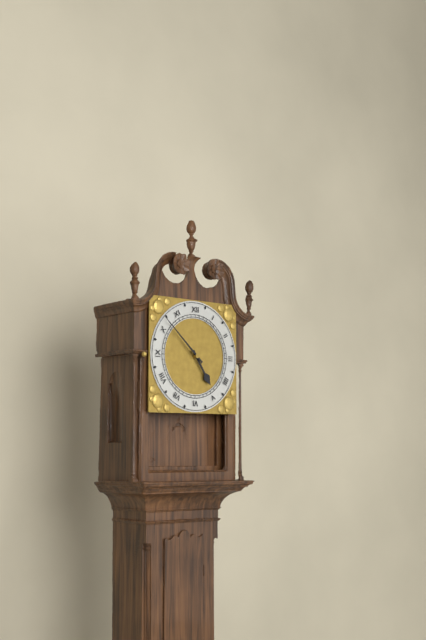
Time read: 4:52
